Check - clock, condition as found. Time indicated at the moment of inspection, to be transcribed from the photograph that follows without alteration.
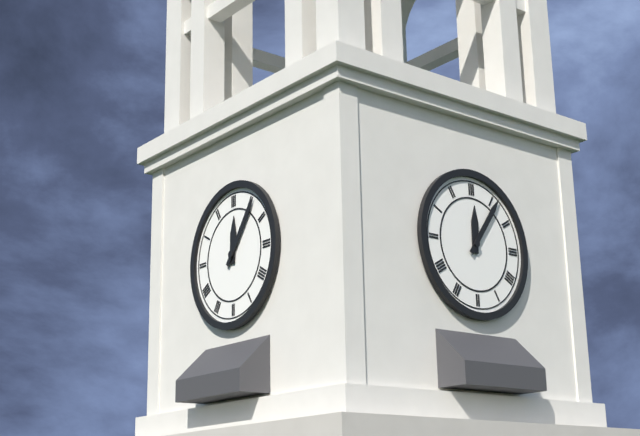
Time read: 12:06
